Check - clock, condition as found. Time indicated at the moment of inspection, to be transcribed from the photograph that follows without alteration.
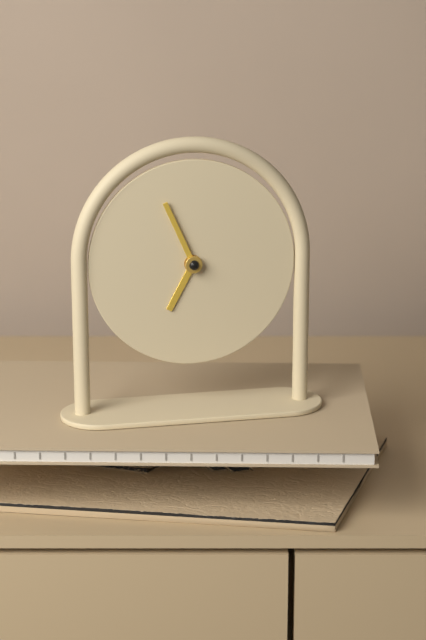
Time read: 6:56
